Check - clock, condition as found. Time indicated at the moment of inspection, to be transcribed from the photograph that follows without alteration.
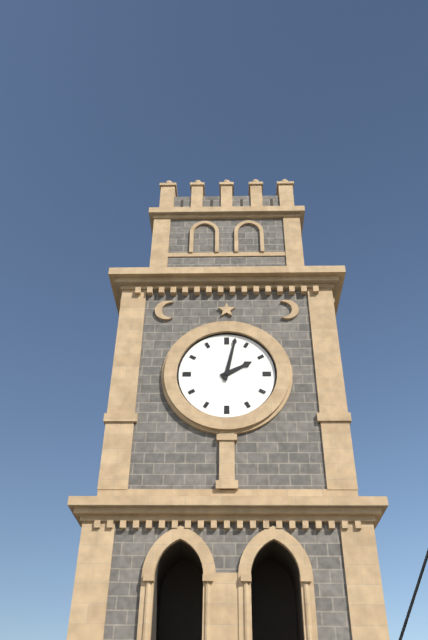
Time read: 2:02
